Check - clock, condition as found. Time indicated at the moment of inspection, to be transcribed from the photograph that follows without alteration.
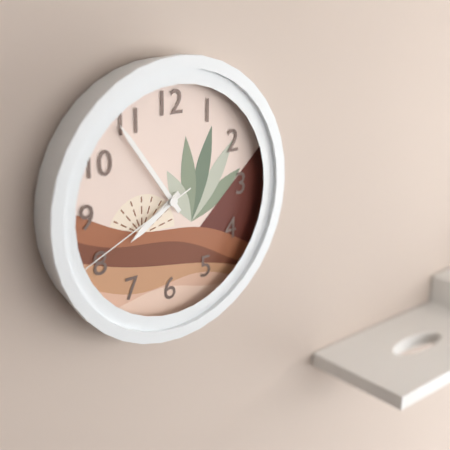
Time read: 7:54:41
